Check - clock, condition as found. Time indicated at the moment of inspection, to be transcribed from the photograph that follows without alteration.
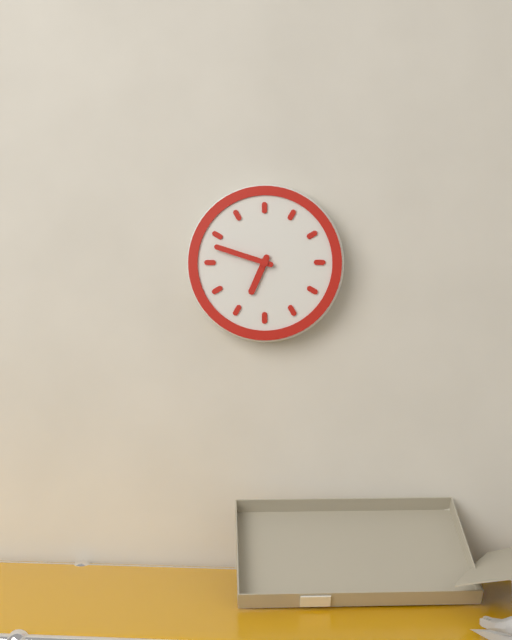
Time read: 6:48
